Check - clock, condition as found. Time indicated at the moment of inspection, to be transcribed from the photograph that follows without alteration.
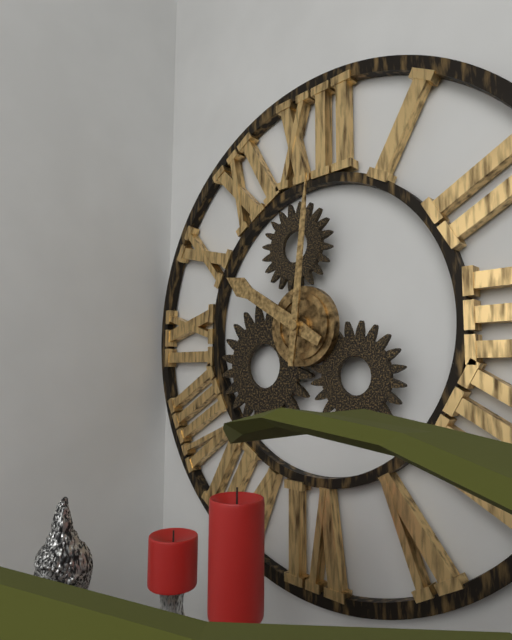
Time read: 10:01
